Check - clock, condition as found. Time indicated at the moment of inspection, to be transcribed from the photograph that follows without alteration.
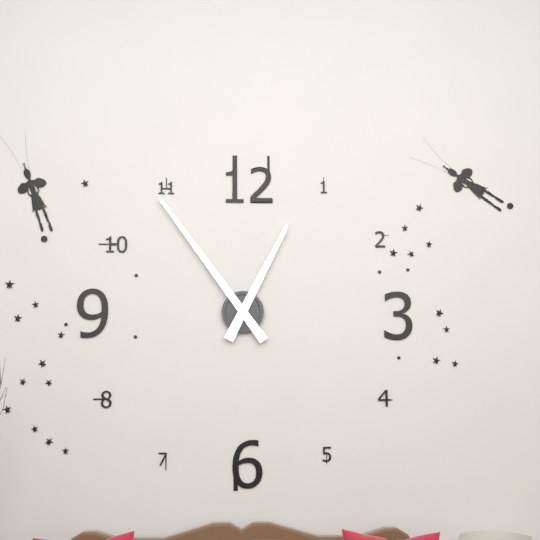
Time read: 12:54
